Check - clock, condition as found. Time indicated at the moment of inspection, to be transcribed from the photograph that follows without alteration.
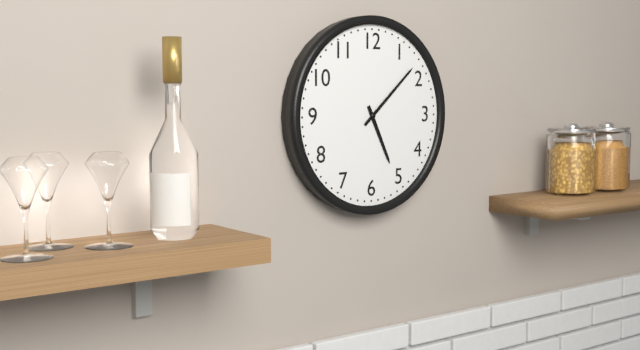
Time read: 5:08
